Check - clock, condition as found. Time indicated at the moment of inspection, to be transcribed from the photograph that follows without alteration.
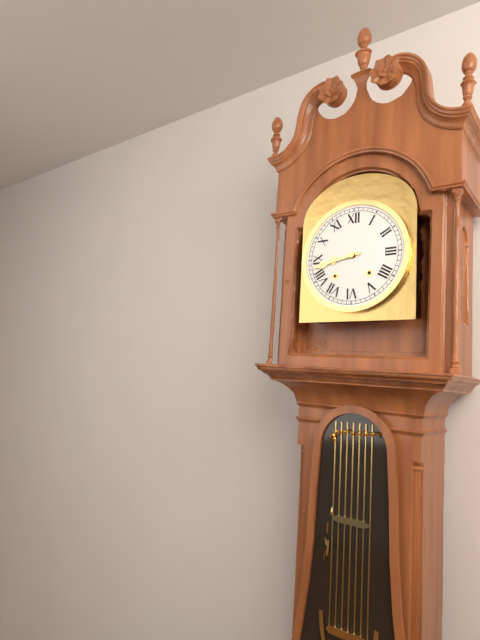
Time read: 8:43
